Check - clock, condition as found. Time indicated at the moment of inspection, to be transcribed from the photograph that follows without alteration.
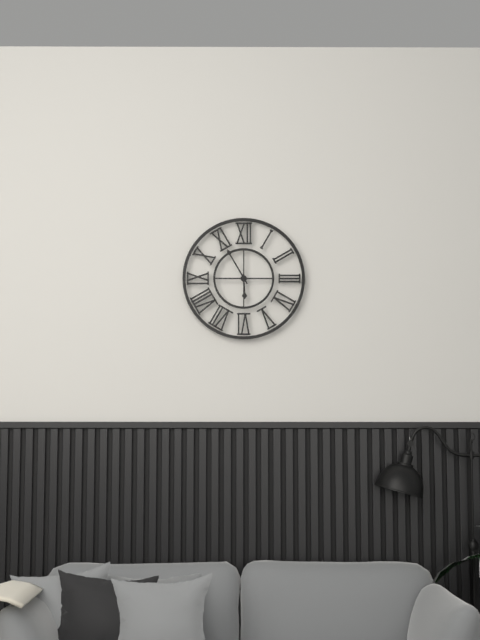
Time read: 5:55
